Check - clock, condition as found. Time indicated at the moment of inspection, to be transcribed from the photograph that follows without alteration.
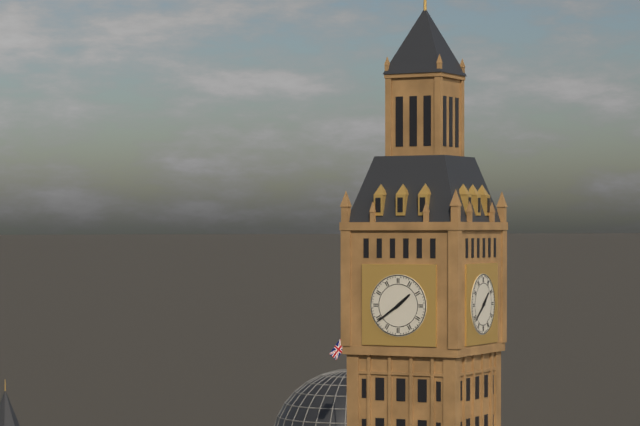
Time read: 1:39
